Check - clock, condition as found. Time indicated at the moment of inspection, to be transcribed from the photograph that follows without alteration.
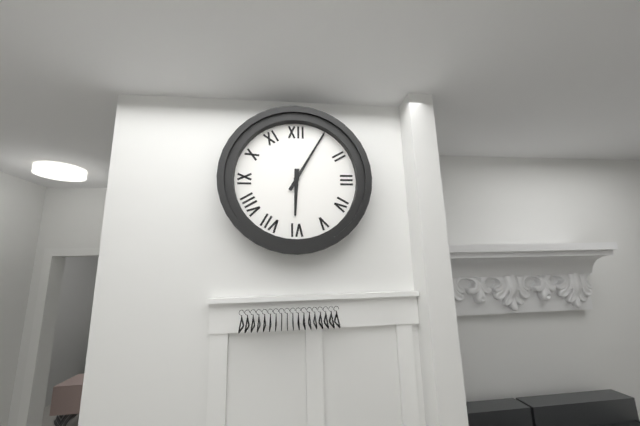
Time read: 6:05
